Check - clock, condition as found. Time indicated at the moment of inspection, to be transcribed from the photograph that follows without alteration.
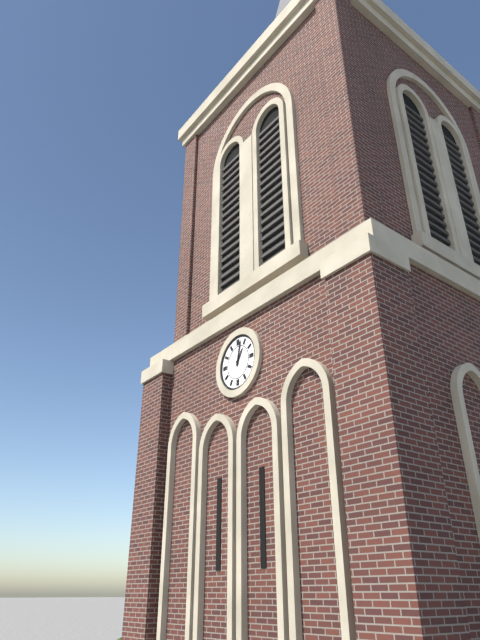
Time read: 1:02
